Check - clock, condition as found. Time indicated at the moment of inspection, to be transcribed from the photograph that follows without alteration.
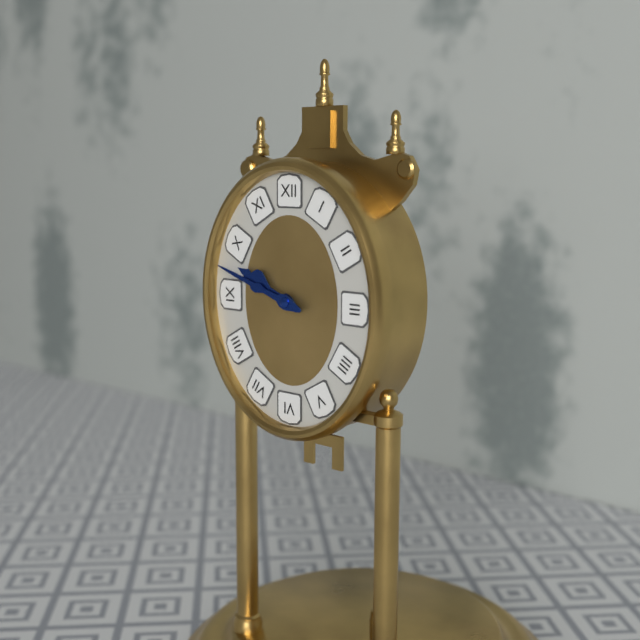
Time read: 9:48
